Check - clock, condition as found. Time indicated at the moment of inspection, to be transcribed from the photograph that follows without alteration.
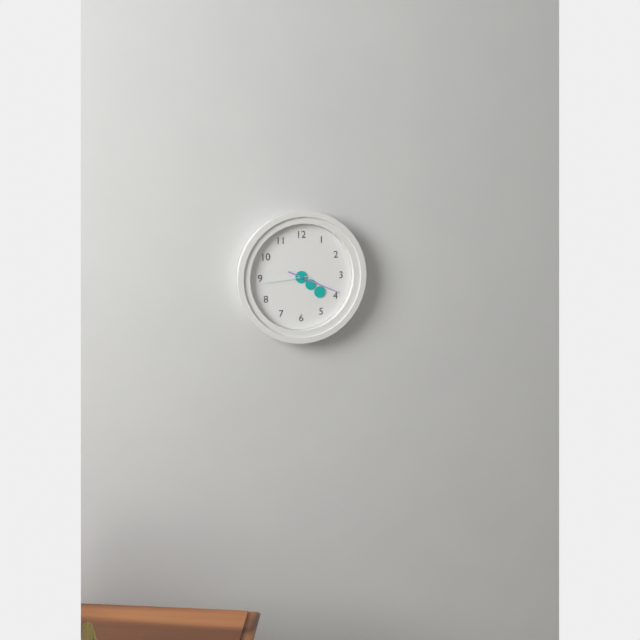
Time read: 4:19
